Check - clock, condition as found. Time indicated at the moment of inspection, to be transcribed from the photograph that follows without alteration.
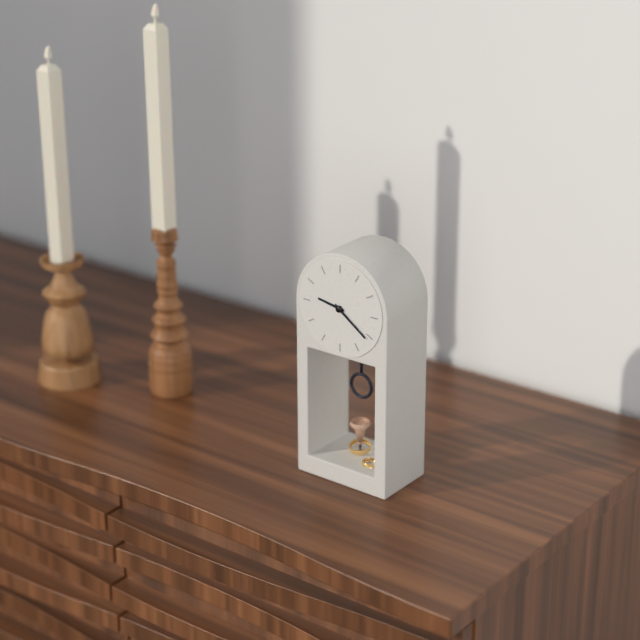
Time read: 9:21
